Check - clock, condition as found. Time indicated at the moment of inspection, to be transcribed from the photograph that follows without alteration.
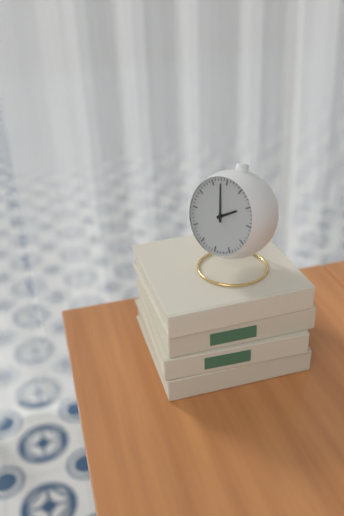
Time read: 1:58
